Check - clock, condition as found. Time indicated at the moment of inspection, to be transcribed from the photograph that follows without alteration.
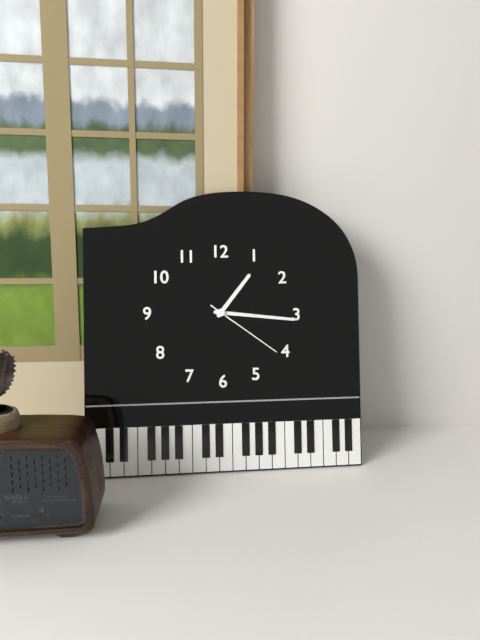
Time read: 1:16:21
